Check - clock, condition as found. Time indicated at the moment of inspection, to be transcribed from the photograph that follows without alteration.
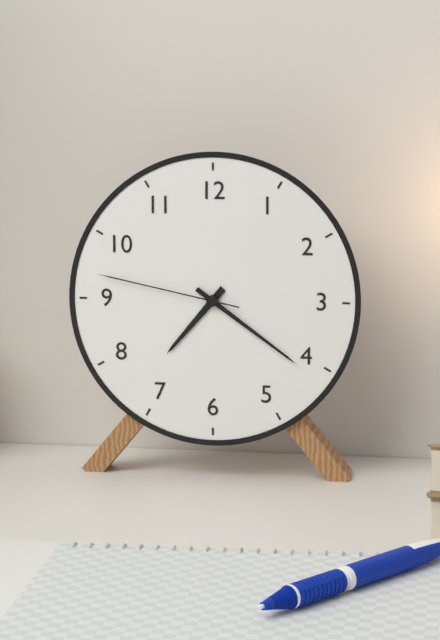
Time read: 7:21:47
